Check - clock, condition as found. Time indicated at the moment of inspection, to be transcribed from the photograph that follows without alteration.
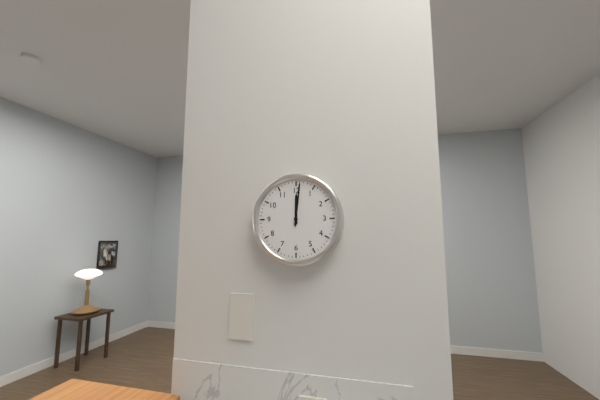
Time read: 12:01
